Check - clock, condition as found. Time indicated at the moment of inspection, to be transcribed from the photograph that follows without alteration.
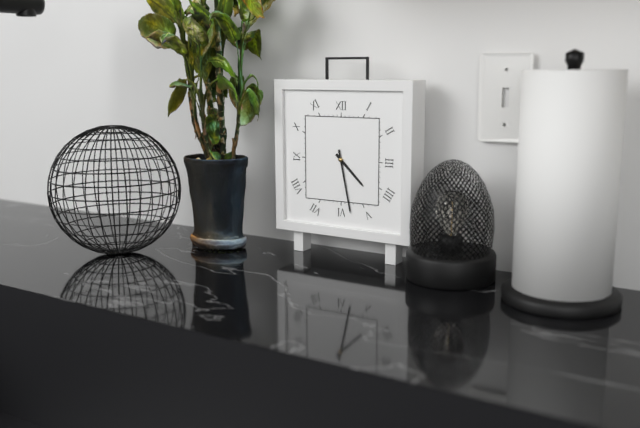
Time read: 4:28
